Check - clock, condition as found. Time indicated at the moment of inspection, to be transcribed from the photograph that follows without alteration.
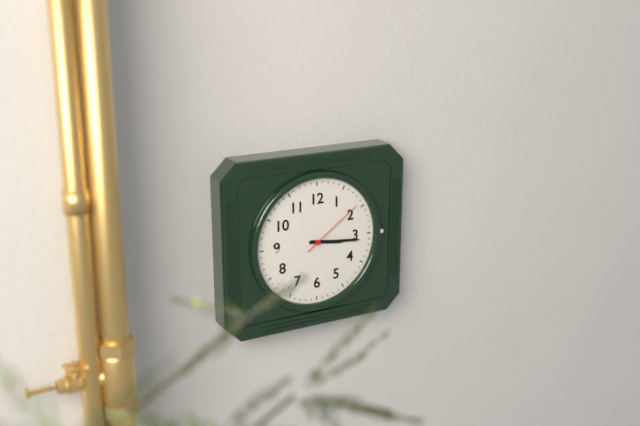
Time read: 3:16:09
